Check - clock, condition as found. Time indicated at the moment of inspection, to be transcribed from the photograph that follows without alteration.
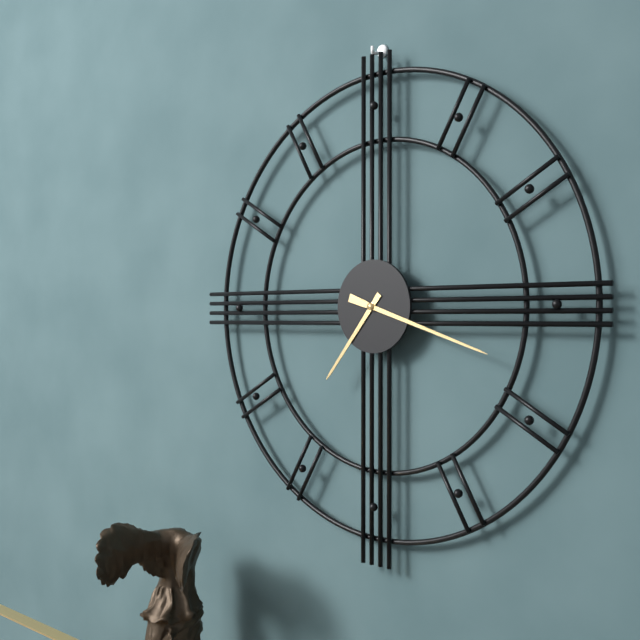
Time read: 7:18
